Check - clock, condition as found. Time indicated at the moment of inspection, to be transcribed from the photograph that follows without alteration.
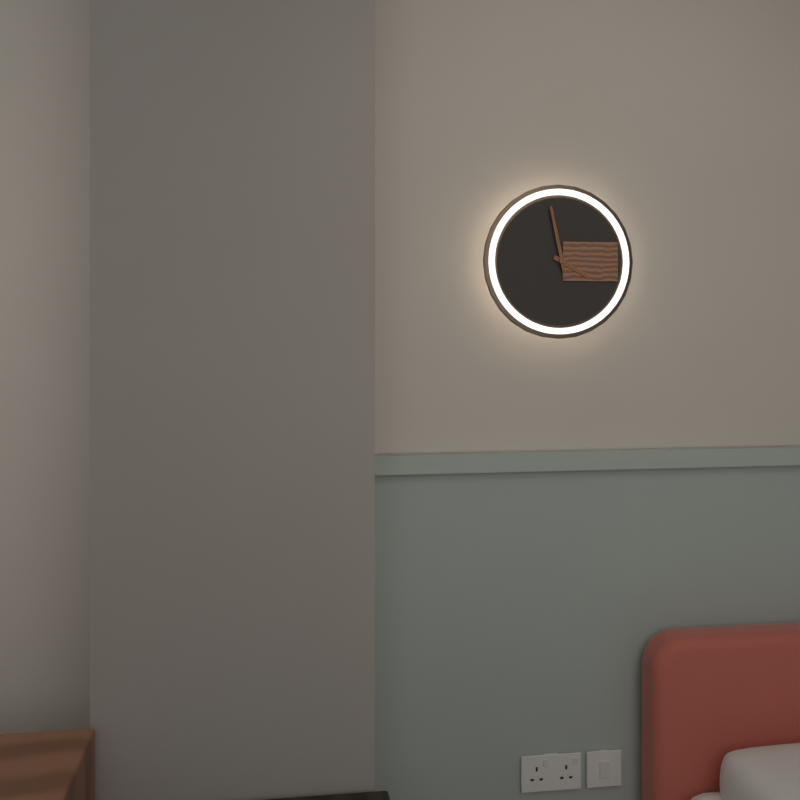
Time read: 3:58
